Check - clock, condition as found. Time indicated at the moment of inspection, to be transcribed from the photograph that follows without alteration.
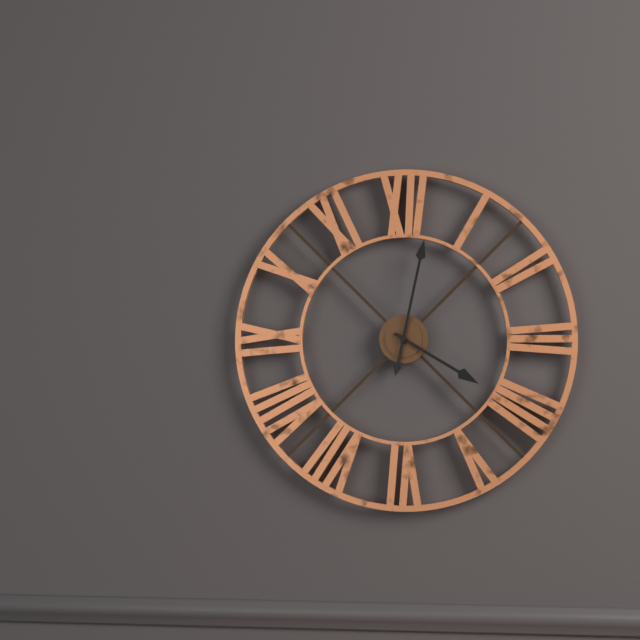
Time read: 4:02
